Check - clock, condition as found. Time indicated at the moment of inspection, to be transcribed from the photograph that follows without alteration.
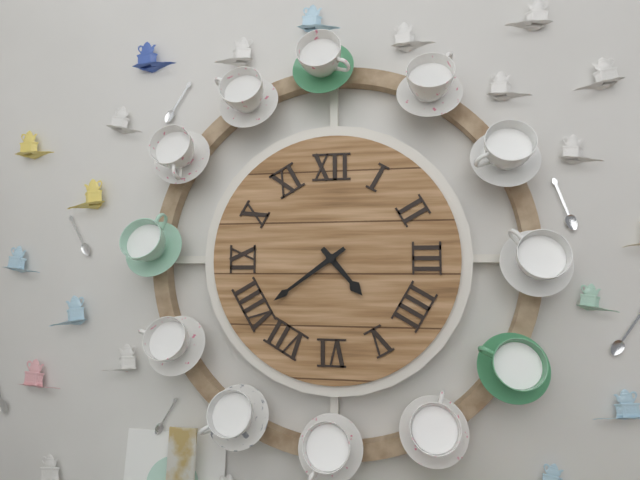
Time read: 4:39
